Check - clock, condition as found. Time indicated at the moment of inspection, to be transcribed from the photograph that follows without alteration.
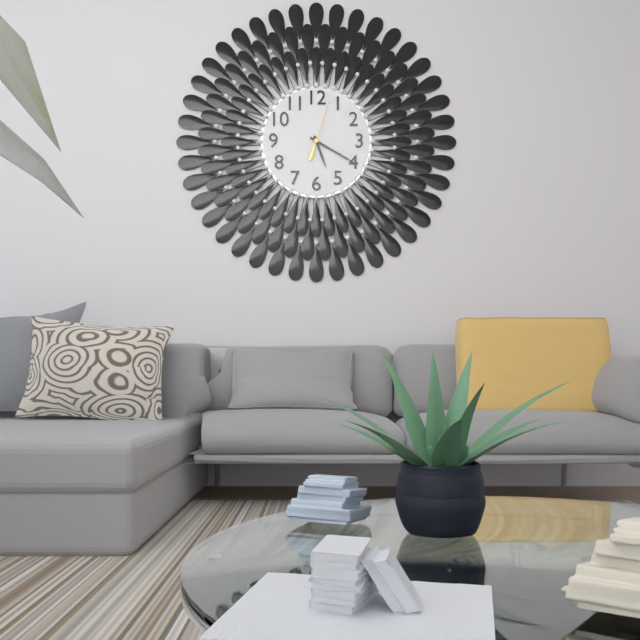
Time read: 5:20:03
